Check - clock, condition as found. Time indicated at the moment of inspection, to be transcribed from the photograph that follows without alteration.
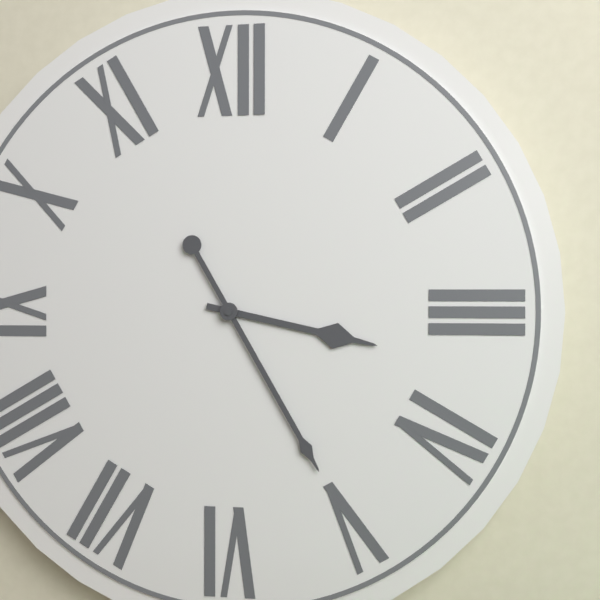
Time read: 3:25
